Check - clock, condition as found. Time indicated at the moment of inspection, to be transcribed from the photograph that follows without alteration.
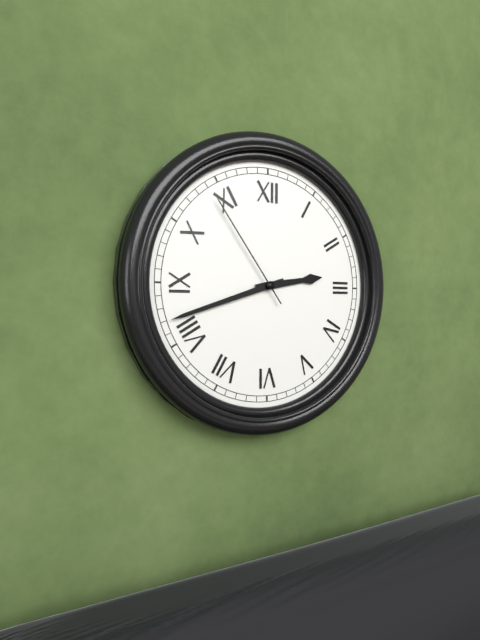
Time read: 2:42:54
